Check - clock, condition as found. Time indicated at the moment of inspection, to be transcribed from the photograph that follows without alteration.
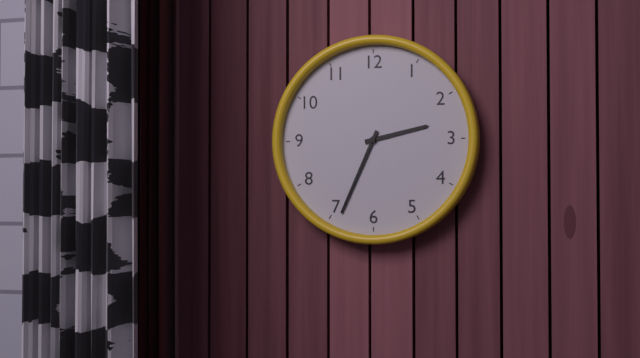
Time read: 2:34
